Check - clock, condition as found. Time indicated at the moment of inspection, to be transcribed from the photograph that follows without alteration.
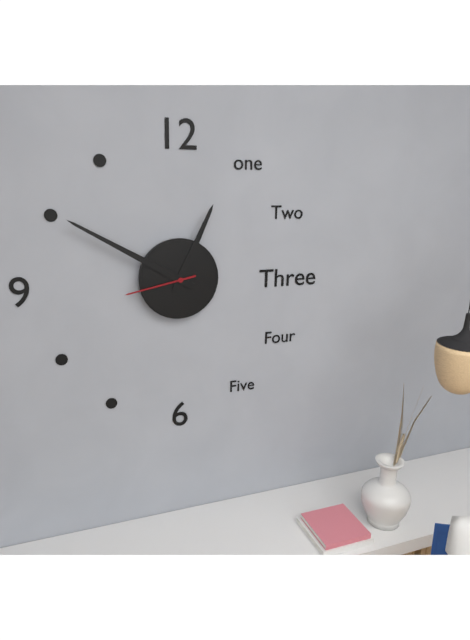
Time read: 12:50:43
